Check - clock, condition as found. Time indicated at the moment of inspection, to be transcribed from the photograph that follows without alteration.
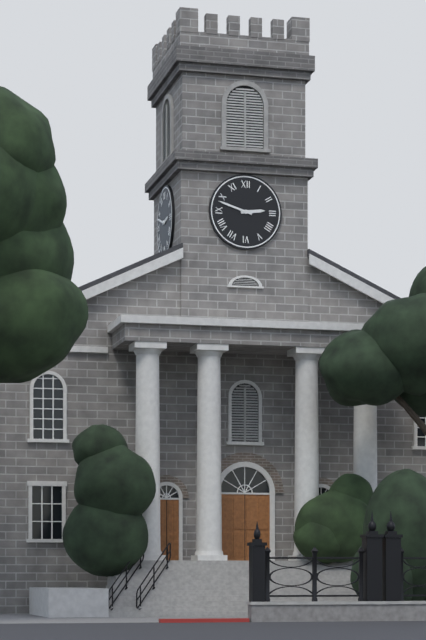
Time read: 2:48
